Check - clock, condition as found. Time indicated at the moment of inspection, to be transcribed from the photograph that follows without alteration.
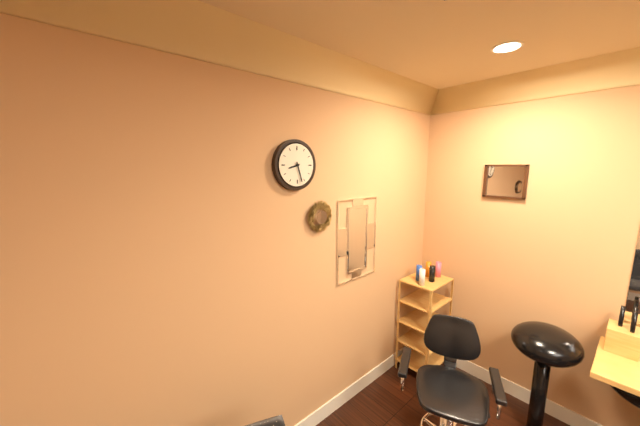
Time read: 8:27
